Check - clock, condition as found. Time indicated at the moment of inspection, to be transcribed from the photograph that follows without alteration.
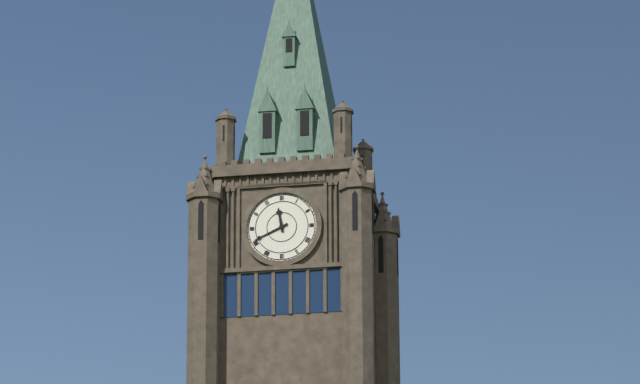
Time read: 11:41
